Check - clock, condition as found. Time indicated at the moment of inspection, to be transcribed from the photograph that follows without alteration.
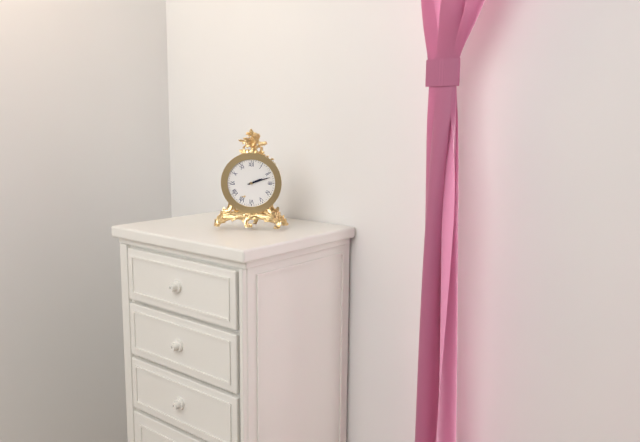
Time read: 2:12
